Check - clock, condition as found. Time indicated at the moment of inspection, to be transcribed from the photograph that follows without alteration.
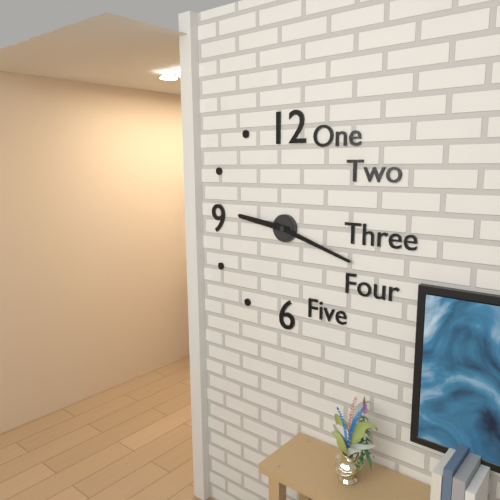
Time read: 9:18
